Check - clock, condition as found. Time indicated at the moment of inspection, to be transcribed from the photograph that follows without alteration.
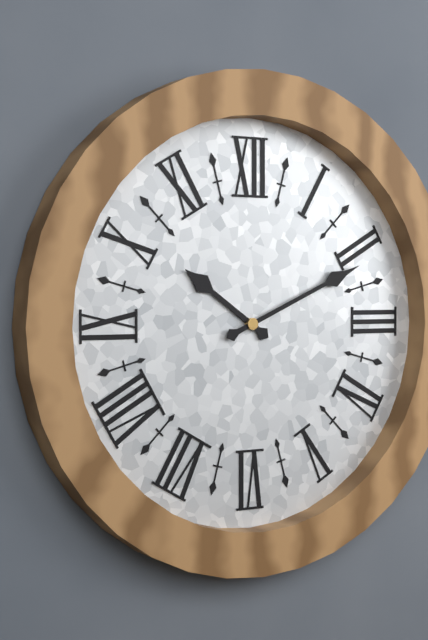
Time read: 10:11
